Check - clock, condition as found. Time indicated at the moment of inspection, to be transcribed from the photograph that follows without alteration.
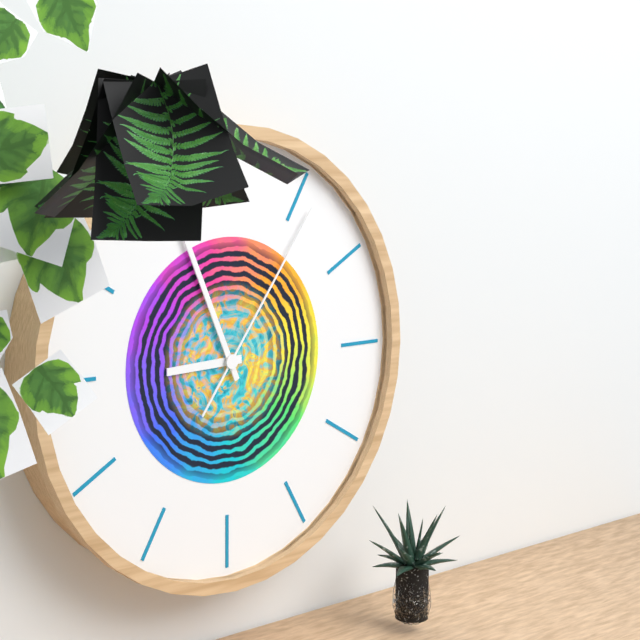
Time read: 8:56:06
